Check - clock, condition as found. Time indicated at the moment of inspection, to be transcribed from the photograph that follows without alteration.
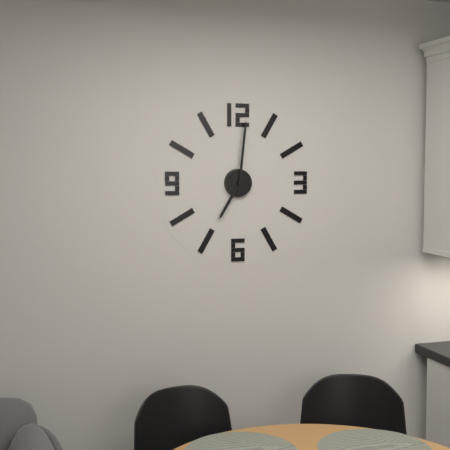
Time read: 7:01
